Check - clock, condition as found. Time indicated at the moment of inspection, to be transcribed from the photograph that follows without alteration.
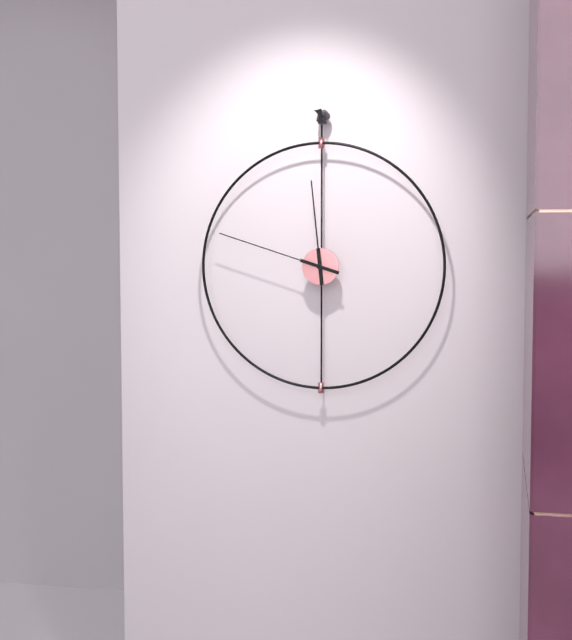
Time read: 11:48
